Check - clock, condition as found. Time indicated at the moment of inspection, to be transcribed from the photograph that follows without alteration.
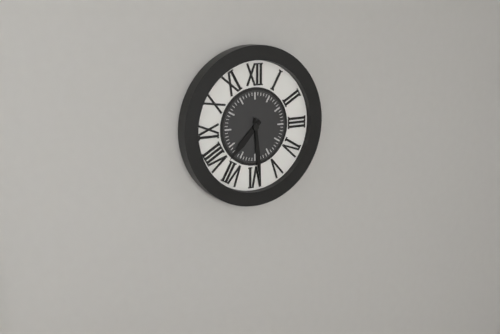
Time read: 7:29
